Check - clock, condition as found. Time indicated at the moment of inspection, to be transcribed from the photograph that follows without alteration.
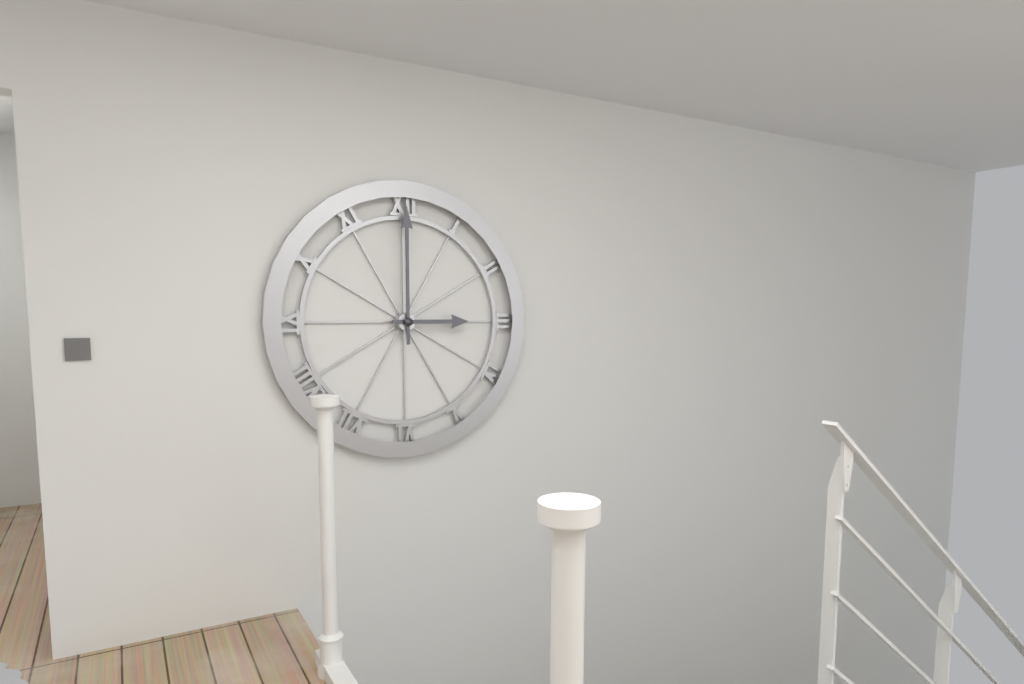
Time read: 3:00
